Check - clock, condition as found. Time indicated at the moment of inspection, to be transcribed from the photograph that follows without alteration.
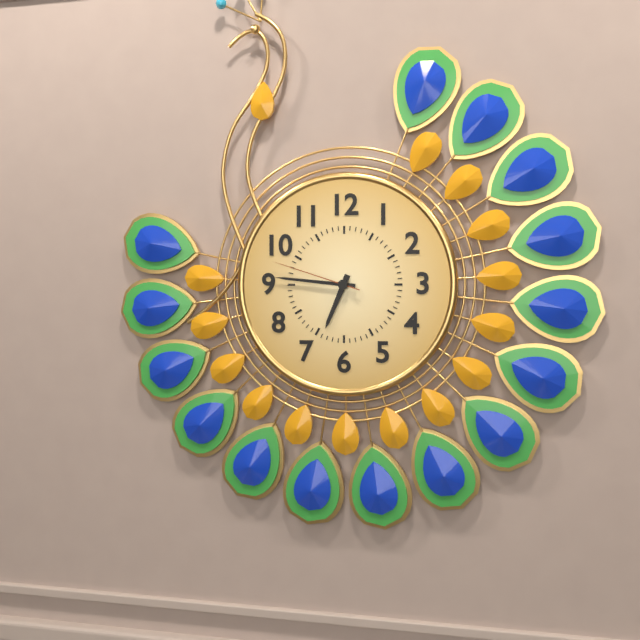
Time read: 6:46:48
